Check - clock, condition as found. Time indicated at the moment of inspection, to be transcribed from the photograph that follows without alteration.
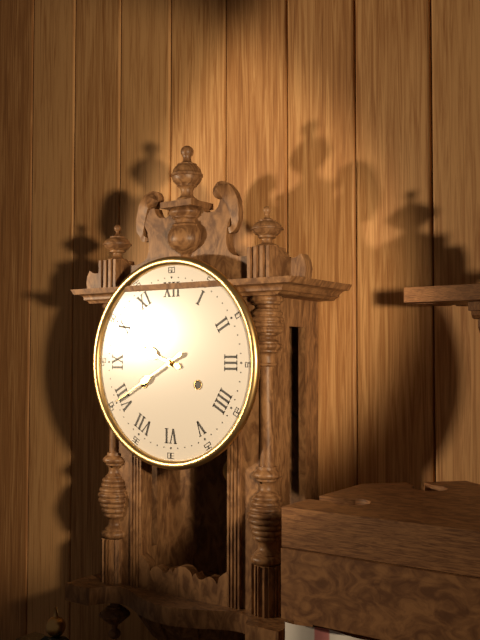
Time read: 9:40
